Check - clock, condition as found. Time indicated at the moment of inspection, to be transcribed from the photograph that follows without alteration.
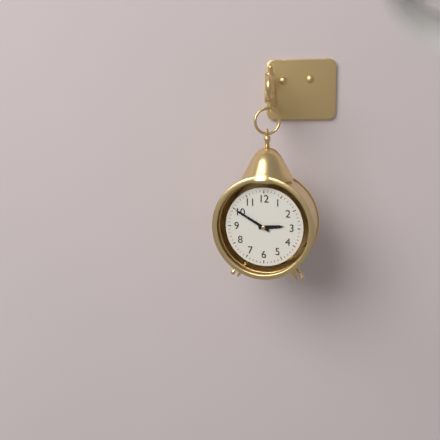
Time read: 2:50
